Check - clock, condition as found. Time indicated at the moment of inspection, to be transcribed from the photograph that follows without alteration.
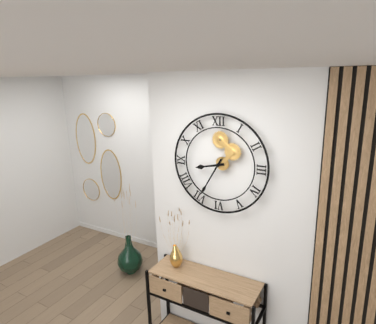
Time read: 8:35
